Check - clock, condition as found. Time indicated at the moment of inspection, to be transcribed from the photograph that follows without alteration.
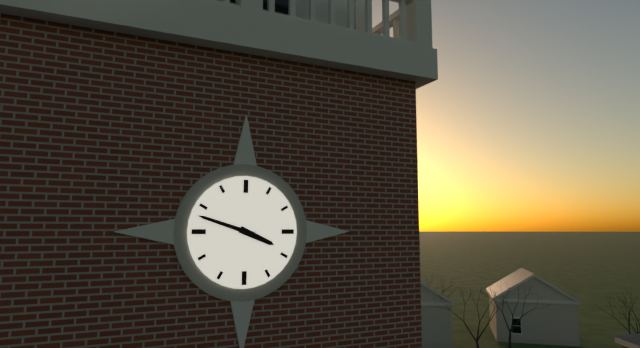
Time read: 3:48
